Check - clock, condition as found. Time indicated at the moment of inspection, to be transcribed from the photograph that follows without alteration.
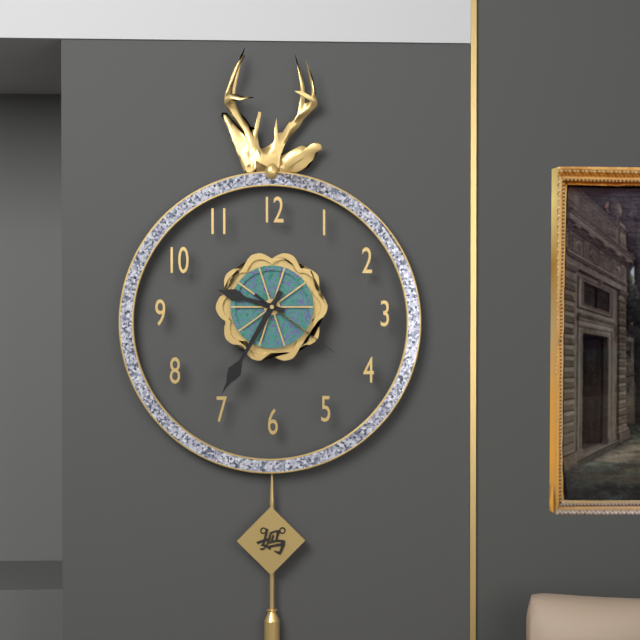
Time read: 9:35:21
